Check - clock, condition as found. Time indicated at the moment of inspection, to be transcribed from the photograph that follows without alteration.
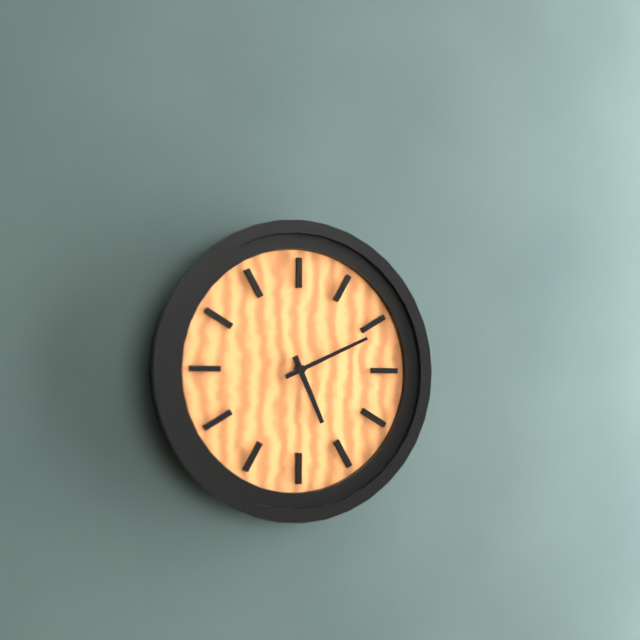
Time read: 5:11
